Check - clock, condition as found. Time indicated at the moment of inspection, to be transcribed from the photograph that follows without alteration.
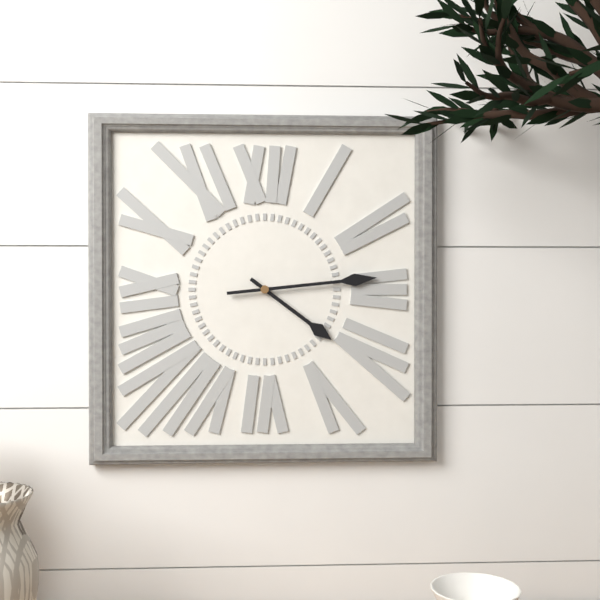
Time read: 4:14
